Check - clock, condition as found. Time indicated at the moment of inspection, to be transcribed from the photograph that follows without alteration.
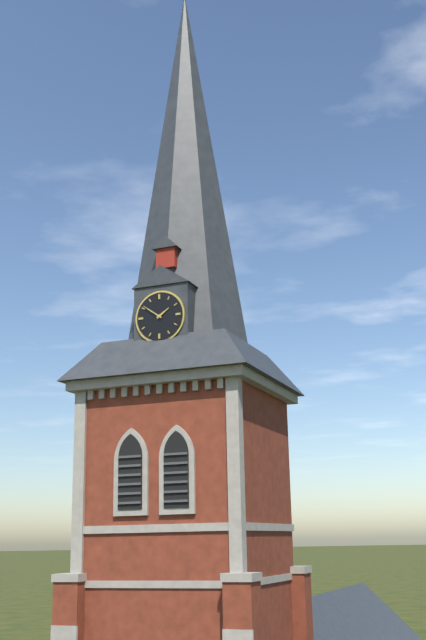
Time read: 1:51
